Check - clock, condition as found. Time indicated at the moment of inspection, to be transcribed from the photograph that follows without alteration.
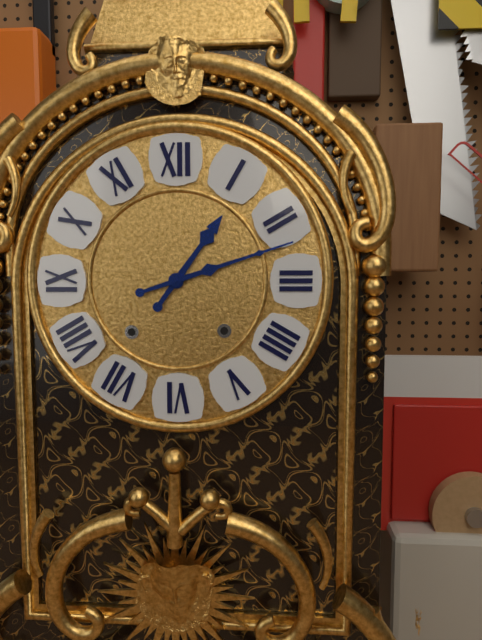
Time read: 1:12
